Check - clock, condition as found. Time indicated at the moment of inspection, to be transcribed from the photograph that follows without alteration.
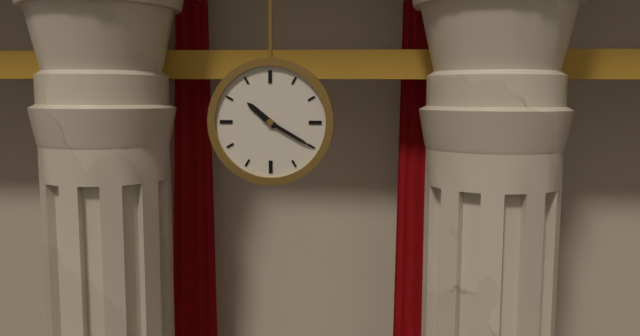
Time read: 10:20
